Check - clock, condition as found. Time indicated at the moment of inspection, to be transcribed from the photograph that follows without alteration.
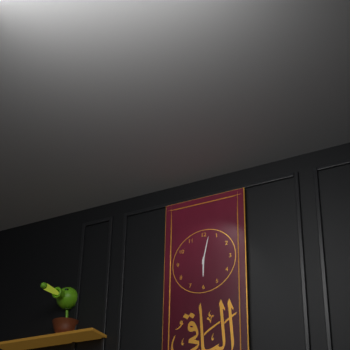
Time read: 6:02
